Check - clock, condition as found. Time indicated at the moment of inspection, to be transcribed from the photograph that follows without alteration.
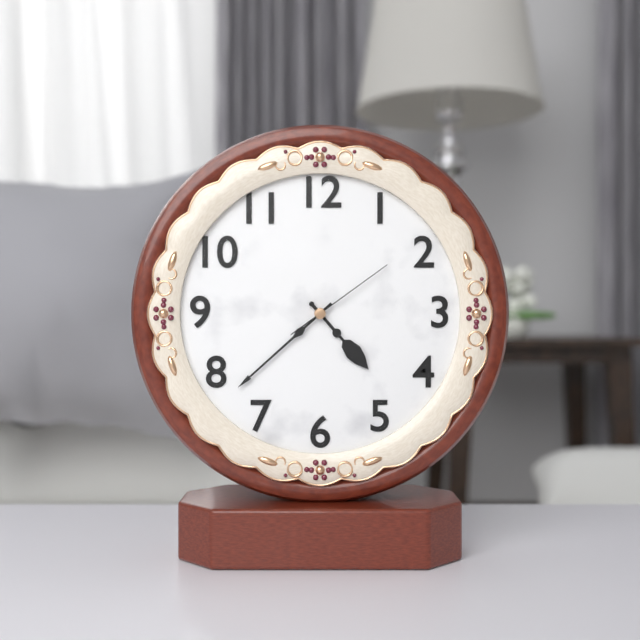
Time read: 4:38:09
